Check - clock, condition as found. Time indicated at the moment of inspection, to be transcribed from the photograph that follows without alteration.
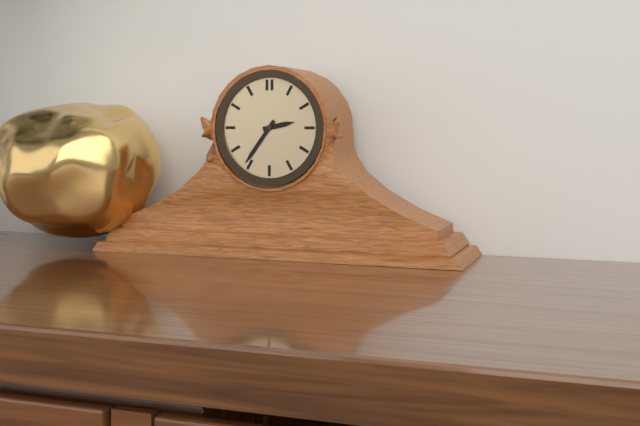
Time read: 2:36
